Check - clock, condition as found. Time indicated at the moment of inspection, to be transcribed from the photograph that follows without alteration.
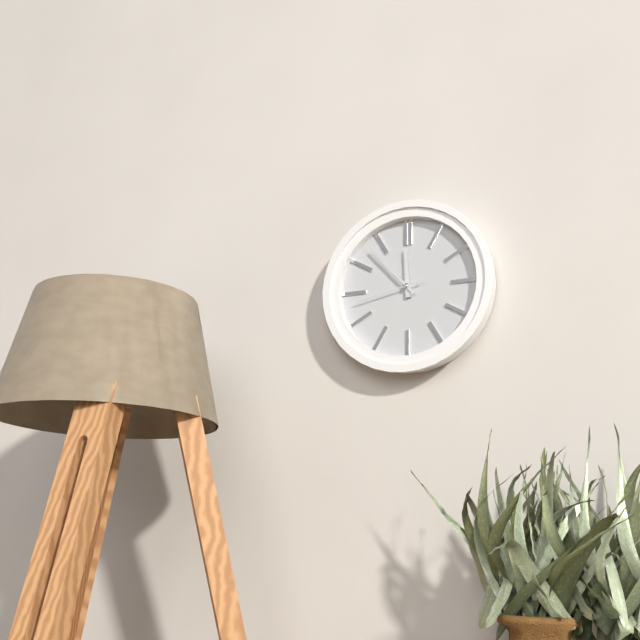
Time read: 11:53:43
